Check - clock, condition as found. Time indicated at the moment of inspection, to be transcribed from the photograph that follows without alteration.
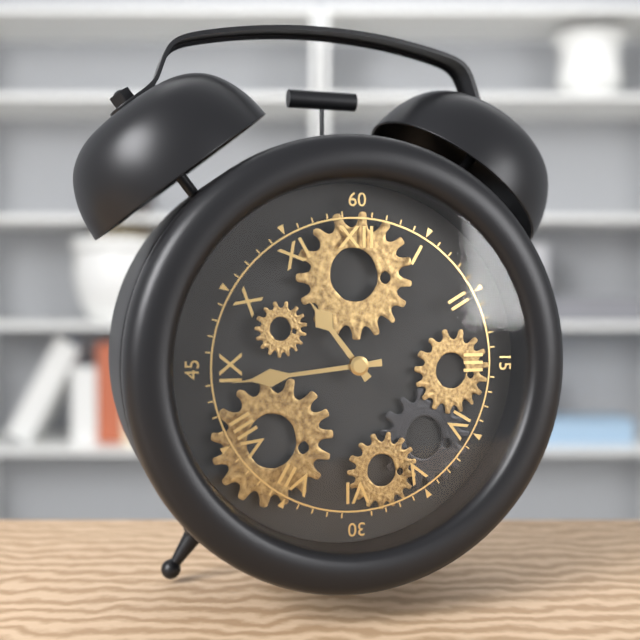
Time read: 10:44
